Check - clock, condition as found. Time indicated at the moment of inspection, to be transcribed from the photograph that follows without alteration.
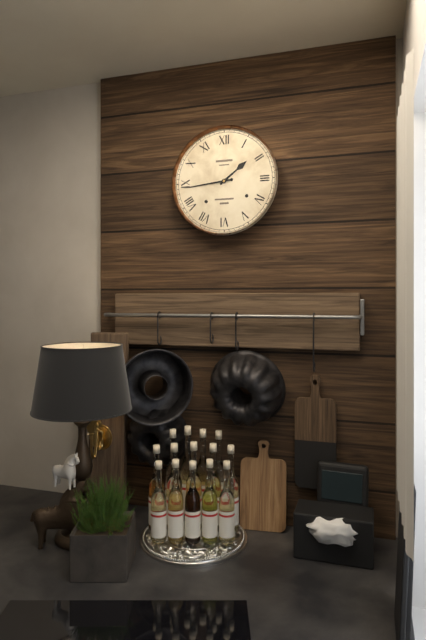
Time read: 1:44
